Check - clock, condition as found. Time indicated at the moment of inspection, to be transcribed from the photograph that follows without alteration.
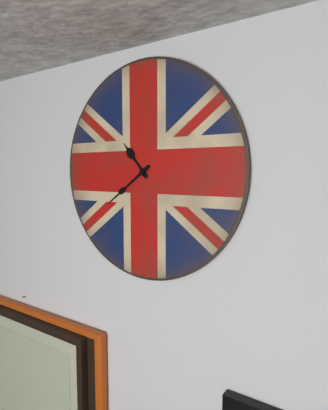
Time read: 10:39
